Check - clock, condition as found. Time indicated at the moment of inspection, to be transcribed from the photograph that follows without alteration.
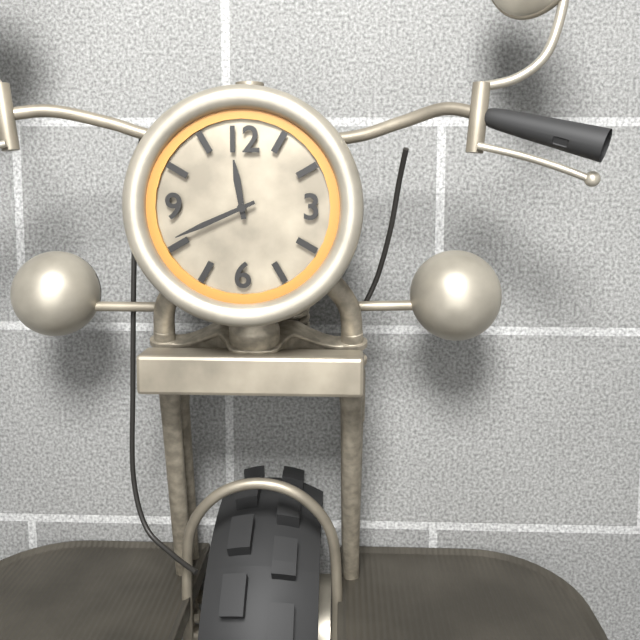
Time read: 11:41
